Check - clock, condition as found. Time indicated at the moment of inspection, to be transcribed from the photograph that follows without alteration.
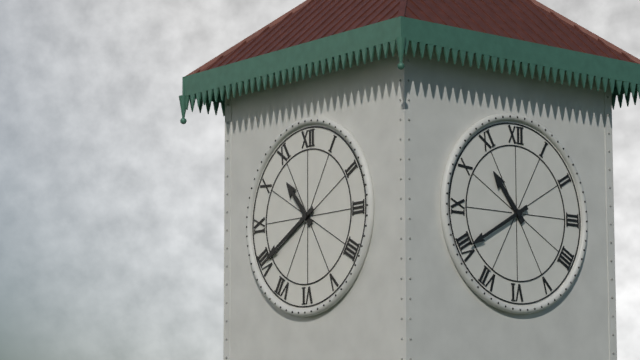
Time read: 10:40
